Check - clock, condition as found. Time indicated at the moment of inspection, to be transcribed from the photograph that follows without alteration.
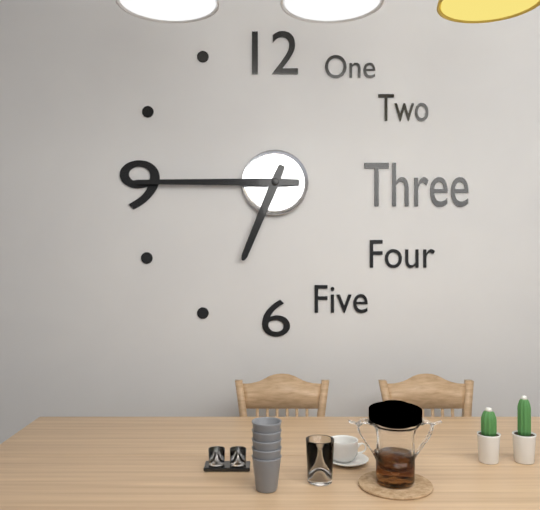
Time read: 6:45
